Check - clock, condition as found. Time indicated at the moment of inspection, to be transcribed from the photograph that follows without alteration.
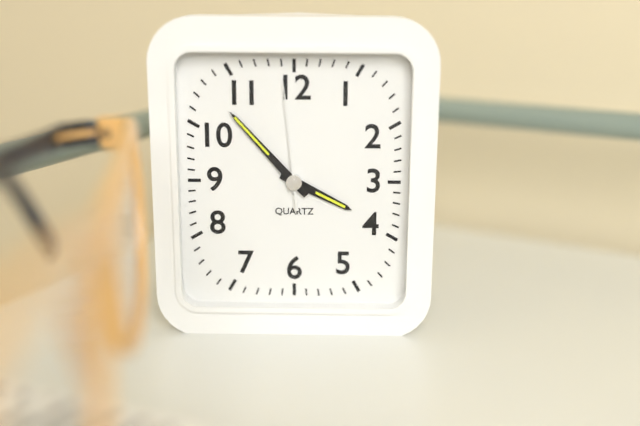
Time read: 3:53:59
